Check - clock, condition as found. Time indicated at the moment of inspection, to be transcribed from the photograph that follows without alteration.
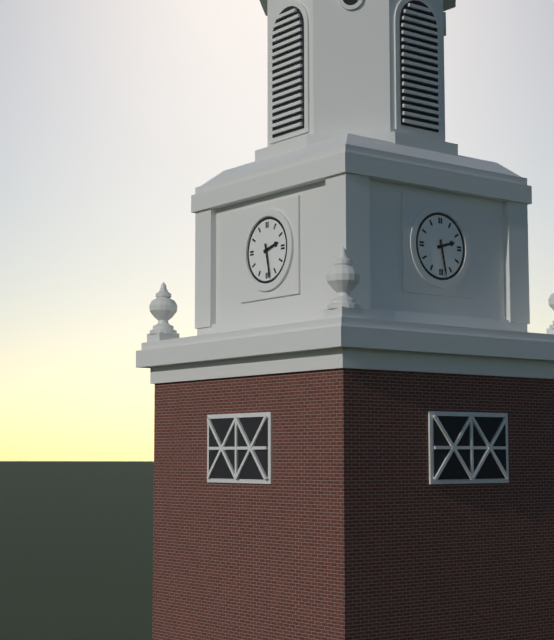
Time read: 2:28
